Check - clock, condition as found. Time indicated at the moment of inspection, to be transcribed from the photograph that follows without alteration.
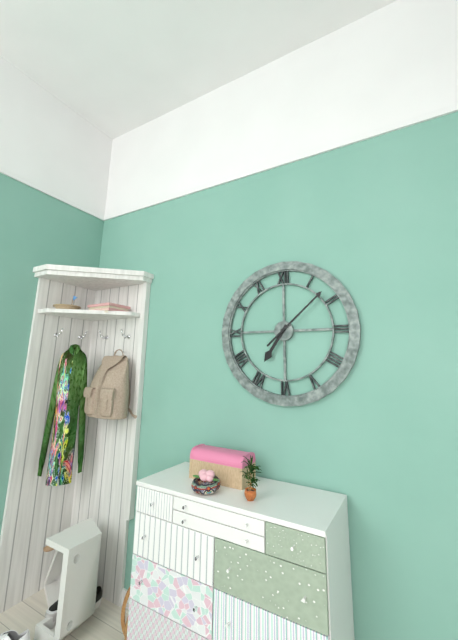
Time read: 7:08
